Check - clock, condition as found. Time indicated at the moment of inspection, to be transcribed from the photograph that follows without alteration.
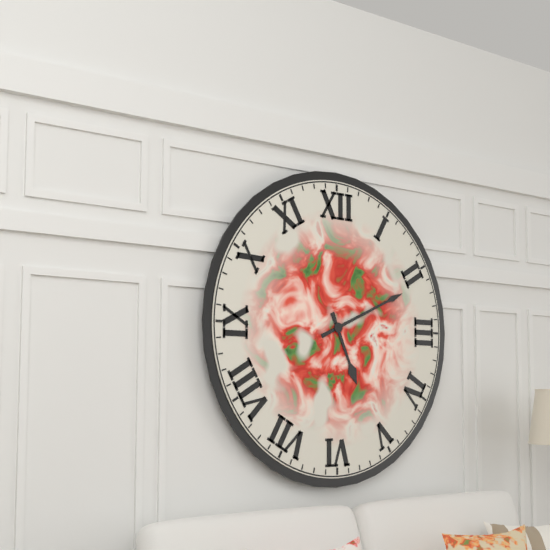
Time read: 5:11
